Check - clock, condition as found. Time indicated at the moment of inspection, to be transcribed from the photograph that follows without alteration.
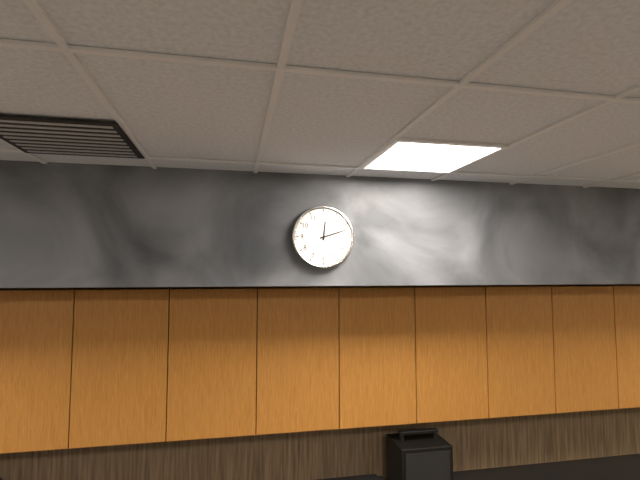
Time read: 12:12
